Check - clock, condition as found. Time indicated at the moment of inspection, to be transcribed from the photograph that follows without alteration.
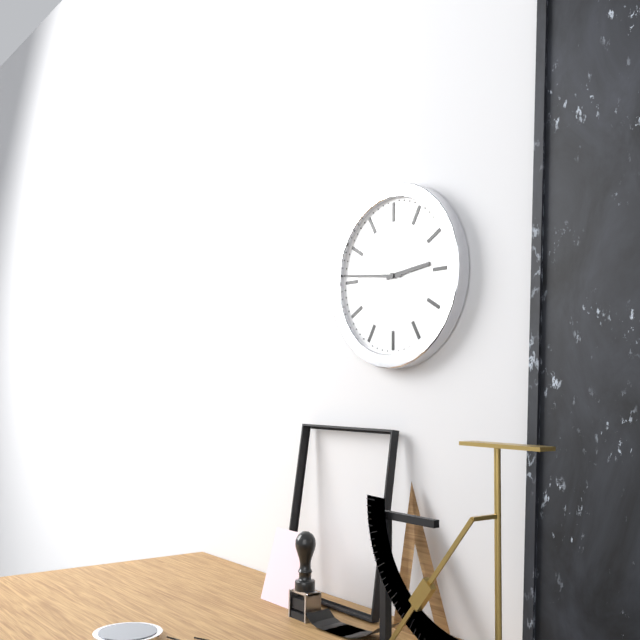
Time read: 2:46
